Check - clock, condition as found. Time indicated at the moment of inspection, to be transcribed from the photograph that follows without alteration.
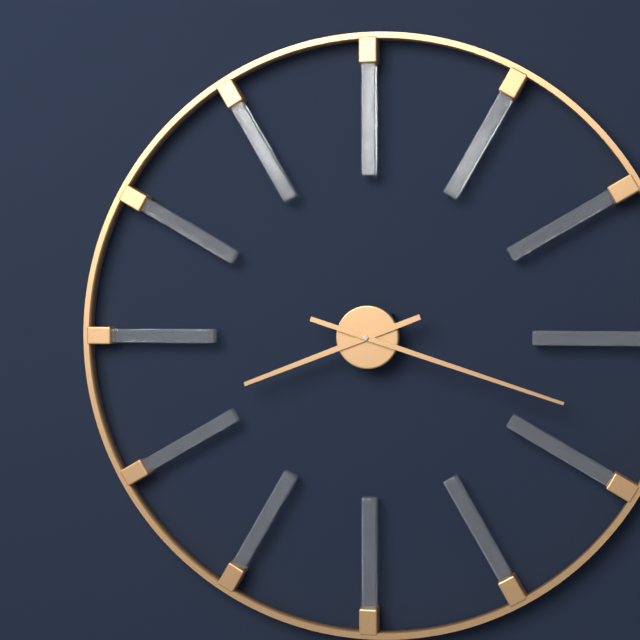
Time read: 8:18
